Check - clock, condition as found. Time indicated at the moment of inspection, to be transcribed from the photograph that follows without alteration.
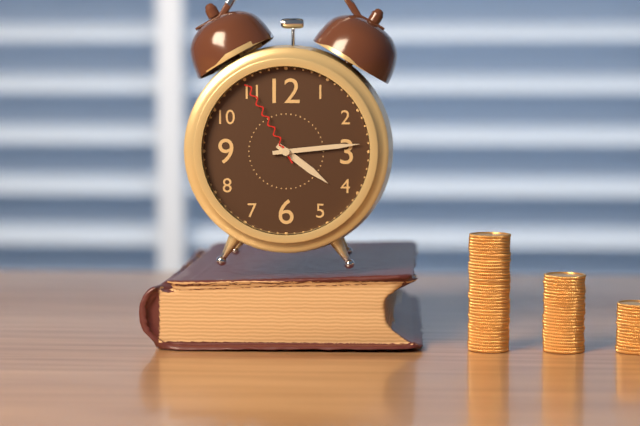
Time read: 4:14:55
